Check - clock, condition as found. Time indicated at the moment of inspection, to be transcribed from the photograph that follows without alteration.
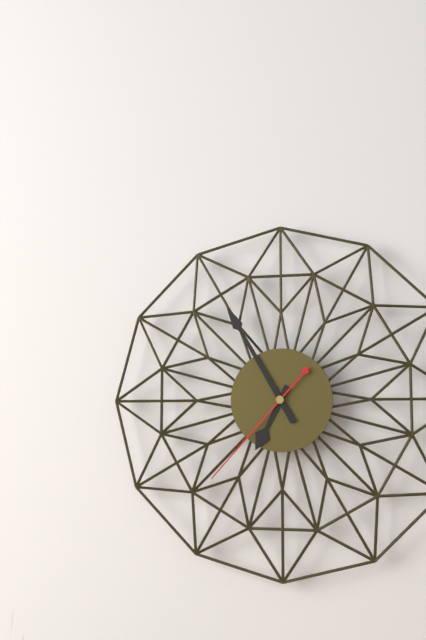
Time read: 6:55:37
